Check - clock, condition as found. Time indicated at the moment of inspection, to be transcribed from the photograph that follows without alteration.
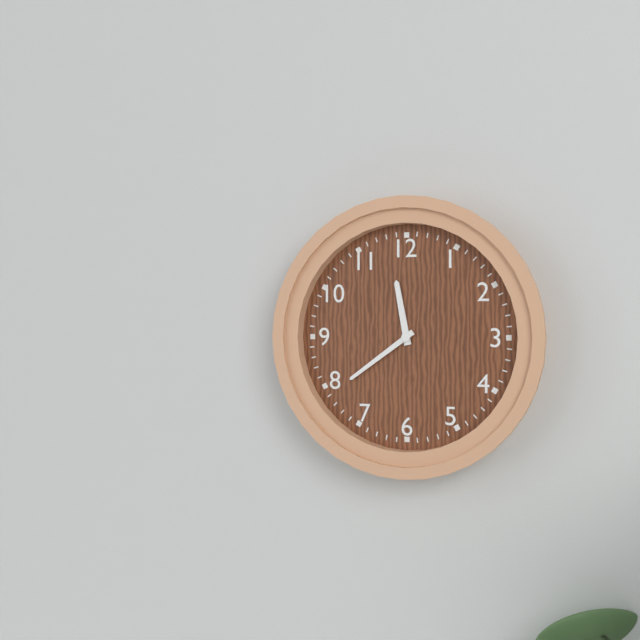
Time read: 11:39
